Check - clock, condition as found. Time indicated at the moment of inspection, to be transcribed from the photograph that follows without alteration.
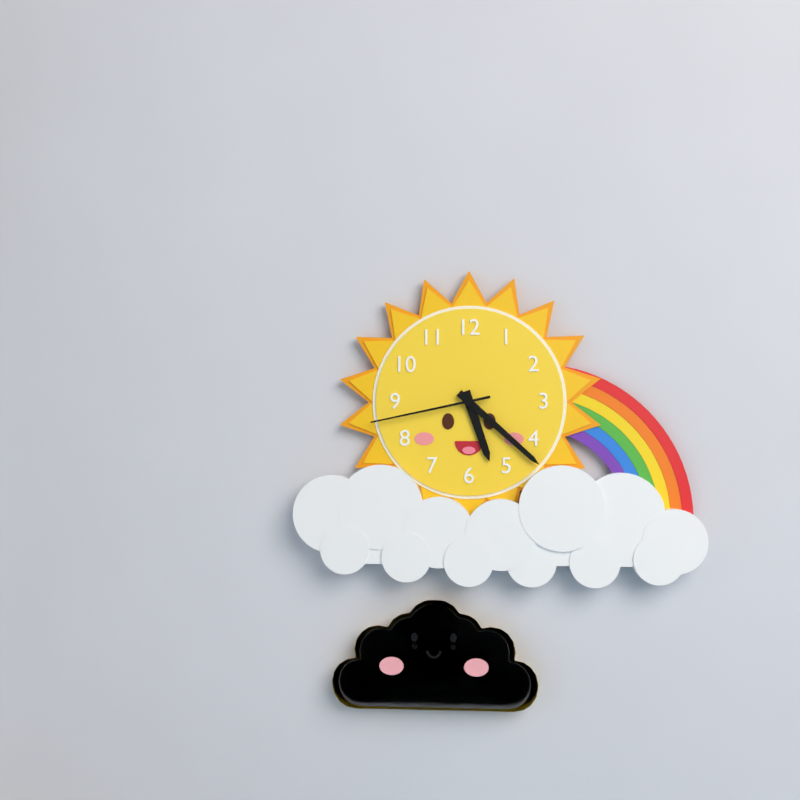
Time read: 5:22:43
